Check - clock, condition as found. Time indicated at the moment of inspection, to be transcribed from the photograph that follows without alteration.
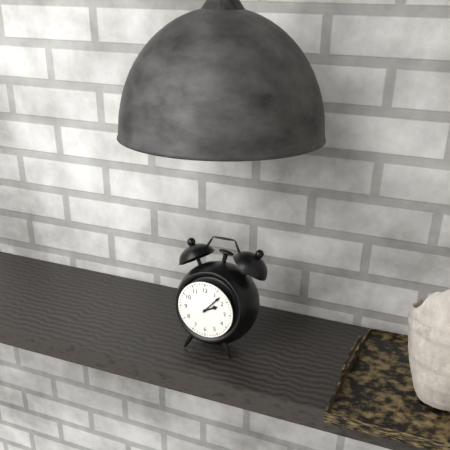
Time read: 2:07
